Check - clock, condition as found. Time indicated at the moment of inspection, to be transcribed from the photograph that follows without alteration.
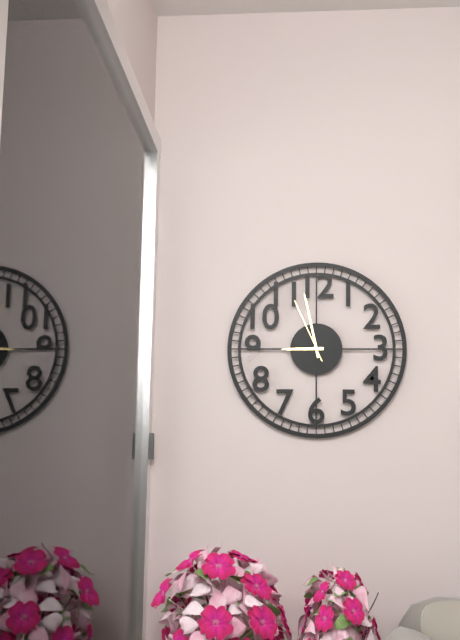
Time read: 8:58:56
